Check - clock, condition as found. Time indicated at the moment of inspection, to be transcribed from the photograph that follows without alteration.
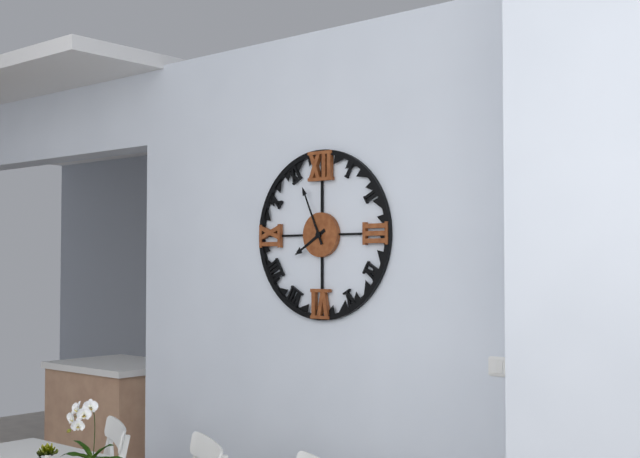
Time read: 7:56
